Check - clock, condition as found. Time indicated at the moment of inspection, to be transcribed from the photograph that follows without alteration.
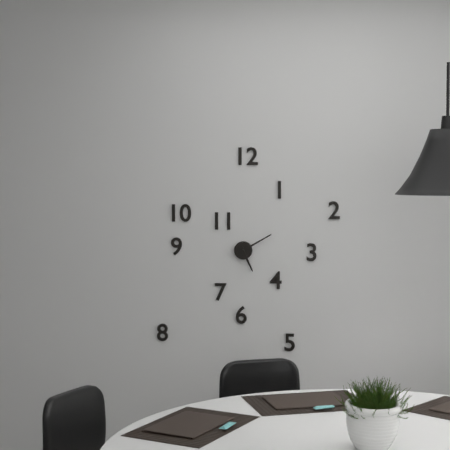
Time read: 5:10
